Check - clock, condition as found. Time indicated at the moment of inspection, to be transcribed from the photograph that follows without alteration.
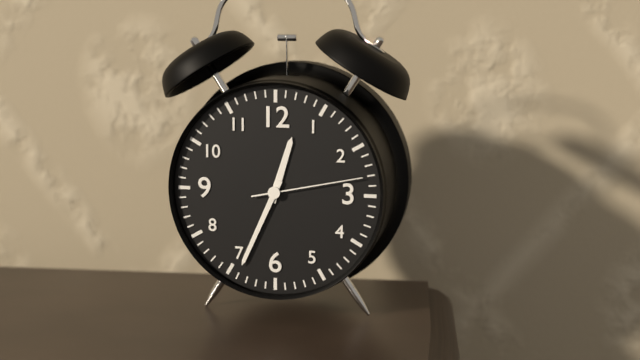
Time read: 12:34:13
